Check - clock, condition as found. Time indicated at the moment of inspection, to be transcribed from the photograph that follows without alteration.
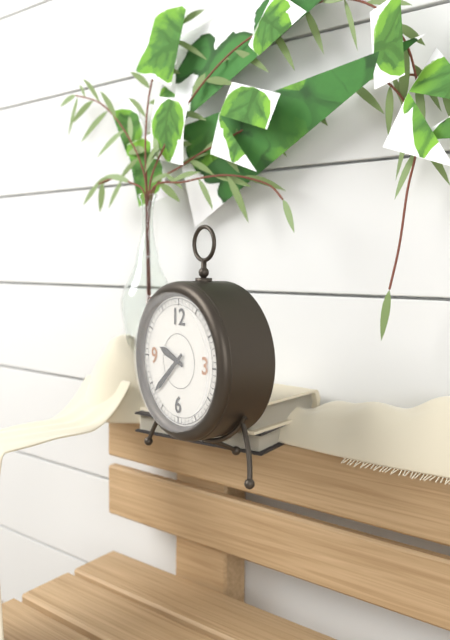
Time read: 9:38
